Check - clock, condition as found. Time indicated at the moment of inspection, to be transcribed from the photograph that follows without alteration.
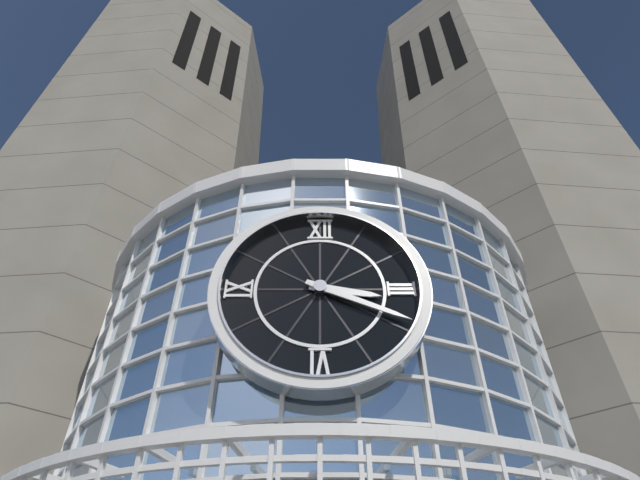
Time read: 3:19
